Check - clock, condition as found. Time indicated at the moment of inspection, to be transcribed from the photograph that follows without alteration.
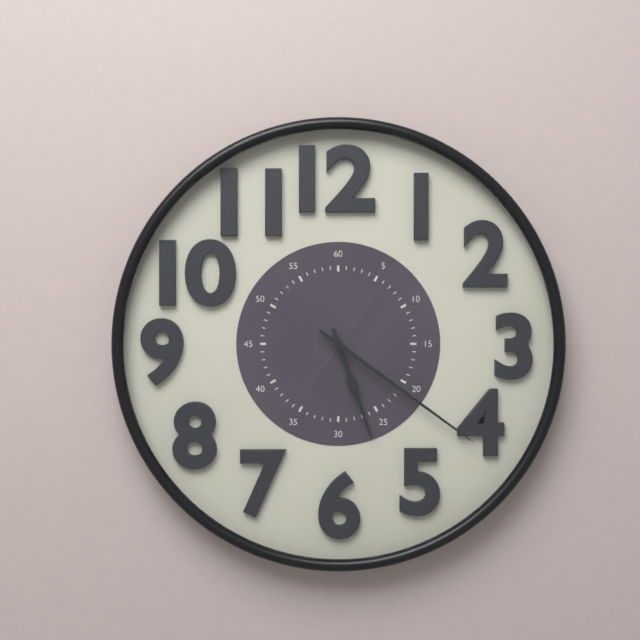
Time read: 5:21:06
